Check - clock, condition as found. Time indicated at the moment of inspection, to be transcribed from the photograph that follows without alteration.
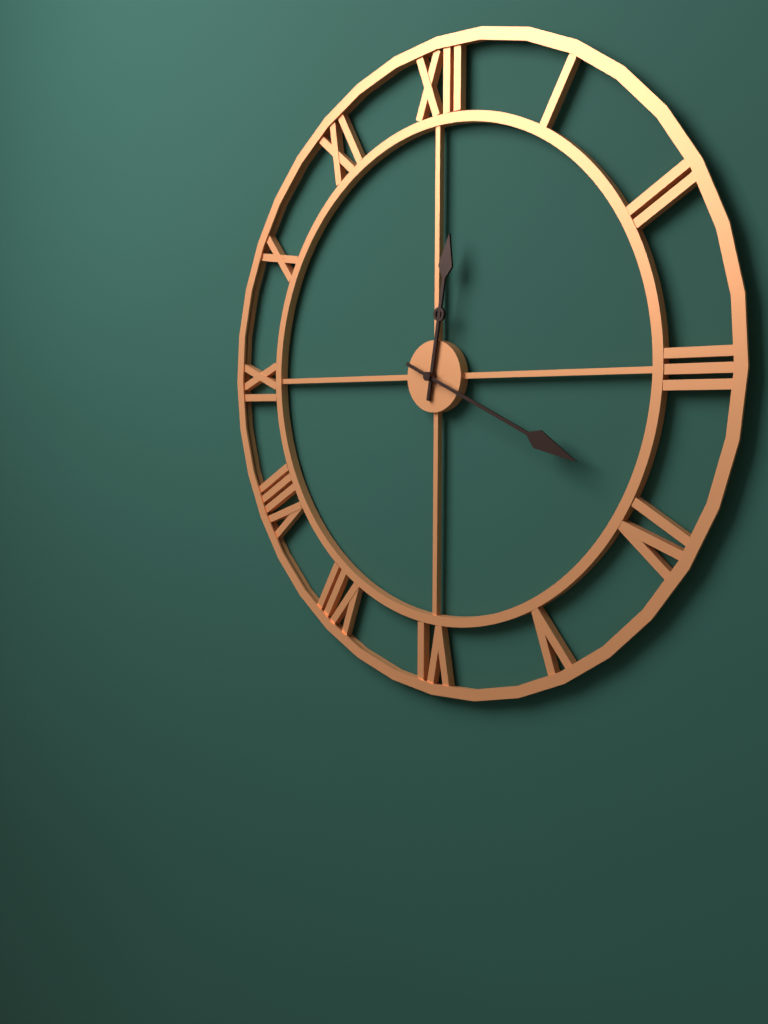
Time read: 12:19
